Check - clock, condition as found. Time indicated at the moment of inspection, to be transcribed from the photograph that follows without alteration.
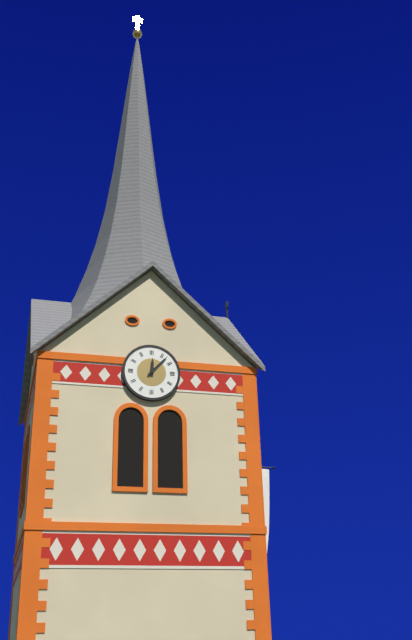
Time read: 12:07
